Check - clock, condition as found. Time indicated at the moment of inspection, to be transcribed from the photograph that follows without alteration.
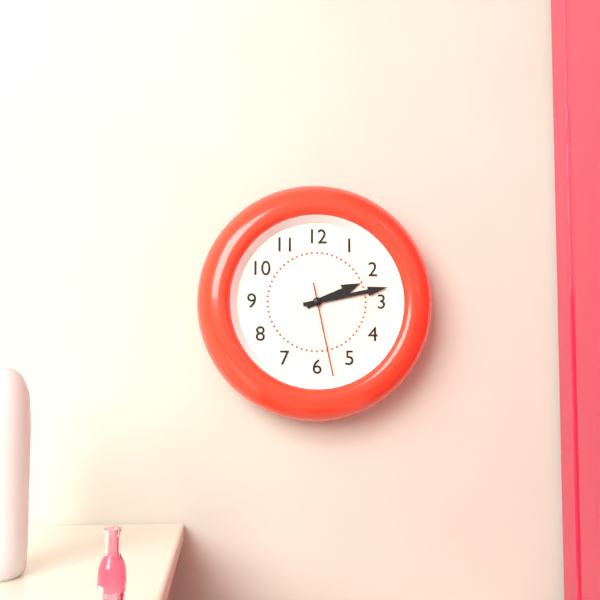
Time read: 2:13:28
